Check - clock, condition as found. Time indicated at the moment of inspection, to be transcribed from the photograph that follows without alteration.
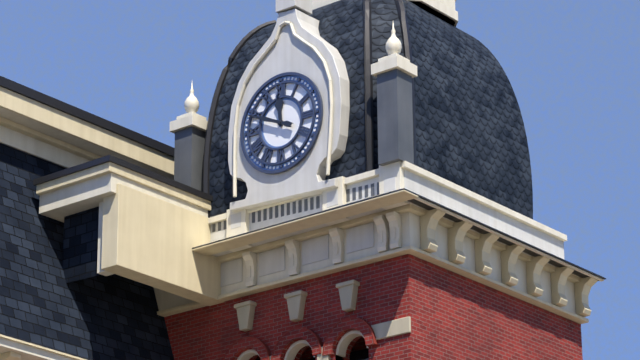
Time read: 11:49
